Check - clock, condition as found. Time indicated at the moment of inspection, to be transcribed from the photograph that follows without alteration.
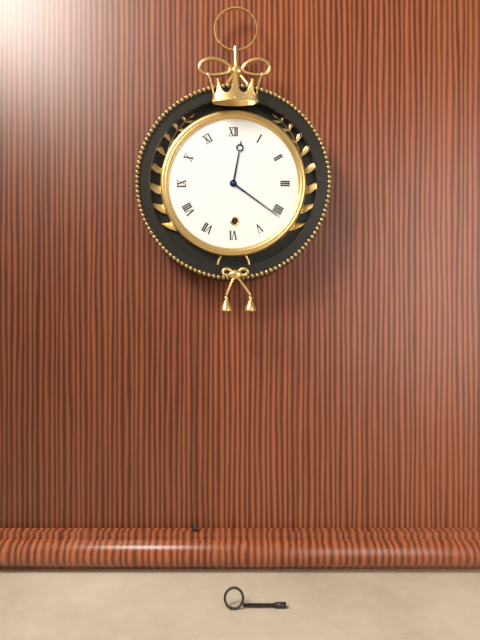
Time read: 12:21
